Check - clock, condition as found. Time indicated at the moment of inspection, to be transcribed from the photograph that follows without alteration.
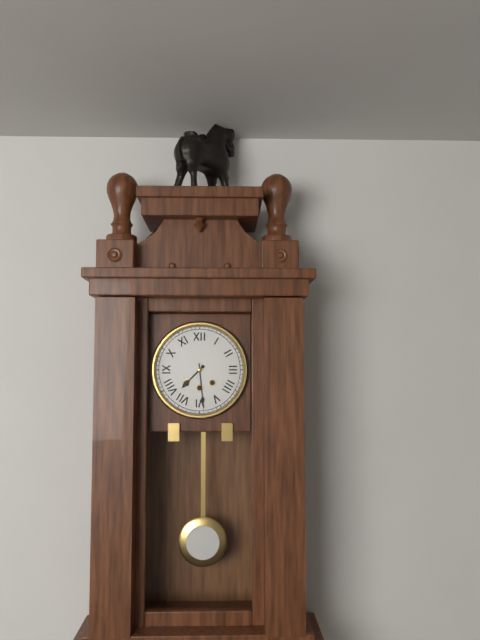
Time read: 7:29
